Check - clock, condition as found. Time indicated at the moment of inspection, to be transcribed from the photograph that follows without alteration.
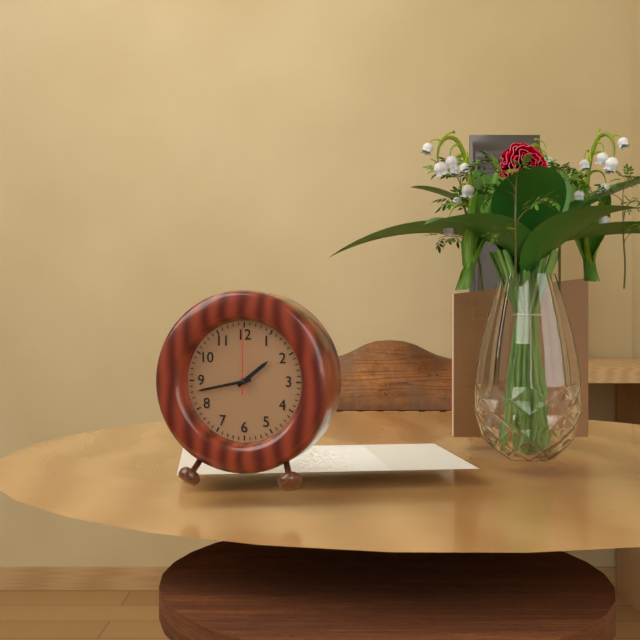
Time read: 1:43:00
